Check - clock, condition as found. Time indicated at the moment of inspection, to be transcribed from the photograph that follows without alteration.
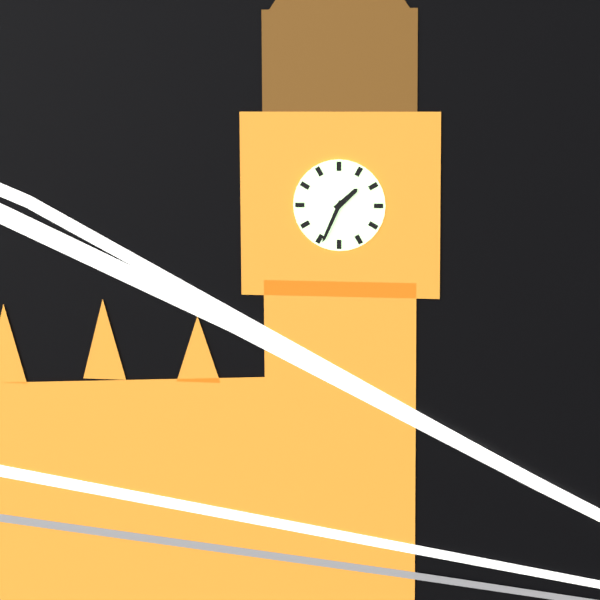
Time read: 1:34
